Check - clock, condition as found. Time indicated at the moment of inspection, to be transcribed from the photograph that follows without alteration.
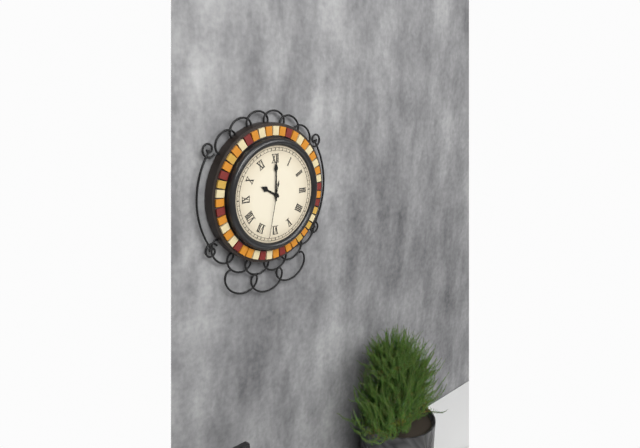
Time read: 10:00:32
